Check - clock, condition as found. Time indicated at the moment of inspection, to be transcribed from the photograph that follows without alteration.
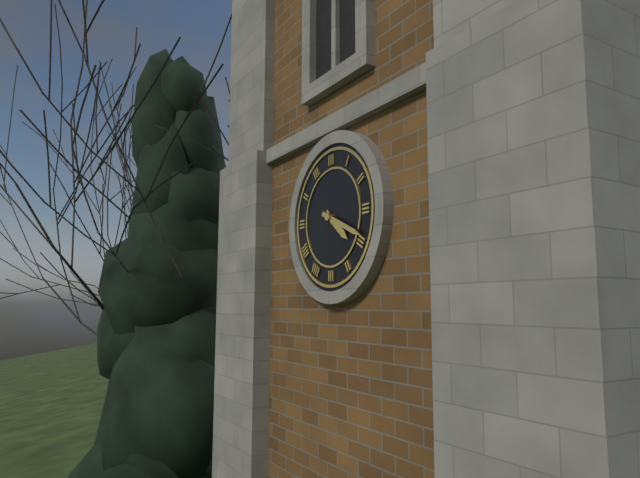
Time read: 4:19
